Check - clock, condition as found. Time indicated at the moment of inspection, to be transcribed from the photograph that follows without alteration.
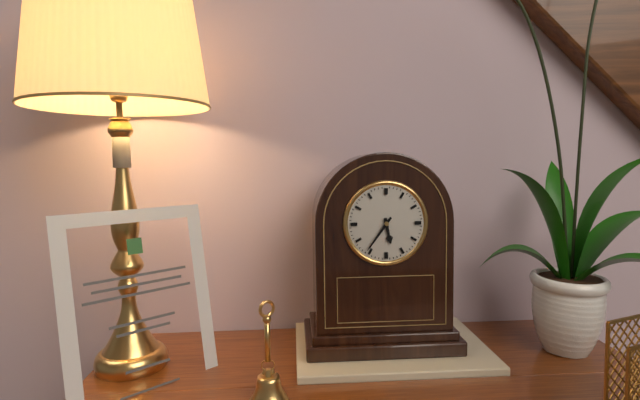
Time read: 5:36
